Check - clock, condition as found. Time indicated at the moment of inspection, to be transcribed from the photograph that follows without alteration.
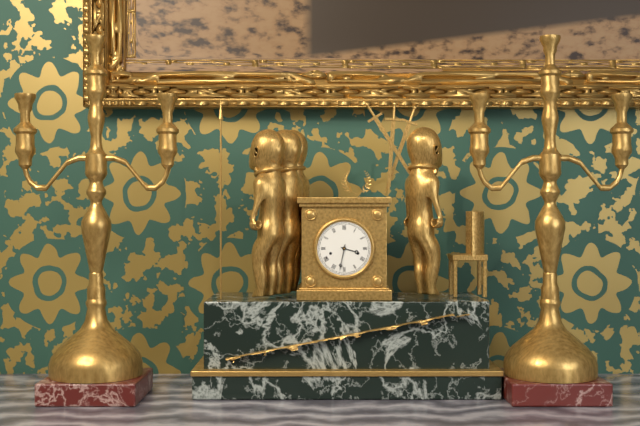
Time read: 3:32
